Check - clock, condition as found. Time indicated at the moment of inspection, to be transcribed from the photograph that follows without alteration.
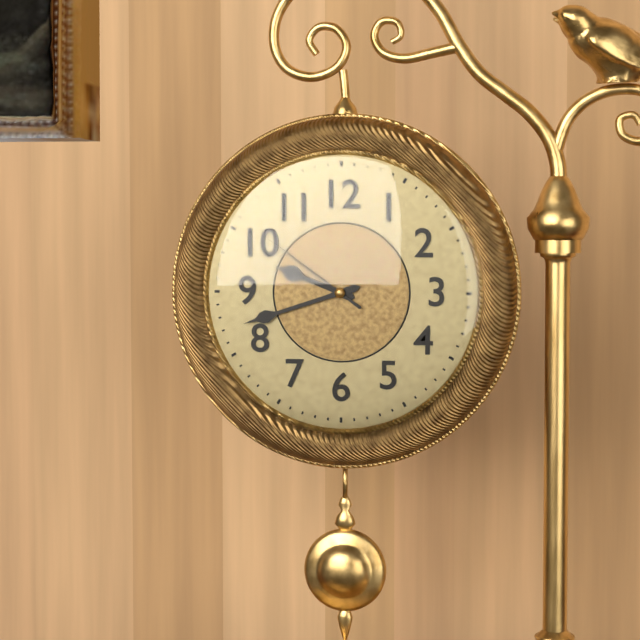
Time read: 9:42:51
